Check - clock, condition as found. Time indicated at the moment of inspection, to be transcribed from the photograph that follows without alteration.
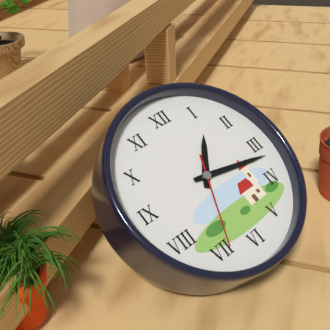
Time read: 1:17:34
